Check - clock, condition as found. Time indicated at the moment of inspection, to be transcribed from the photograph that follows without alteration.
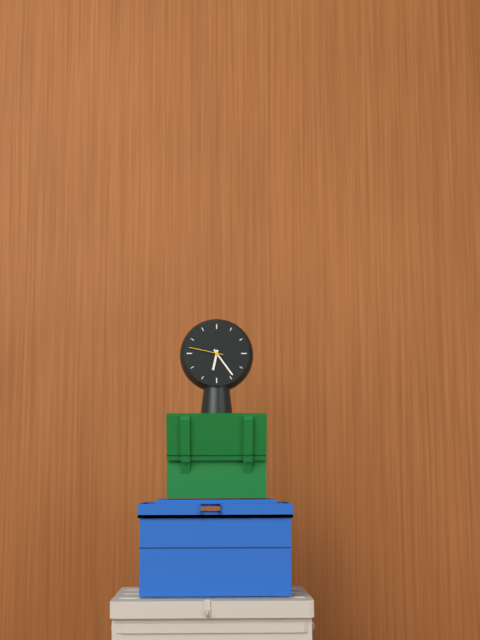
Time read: 6:24
